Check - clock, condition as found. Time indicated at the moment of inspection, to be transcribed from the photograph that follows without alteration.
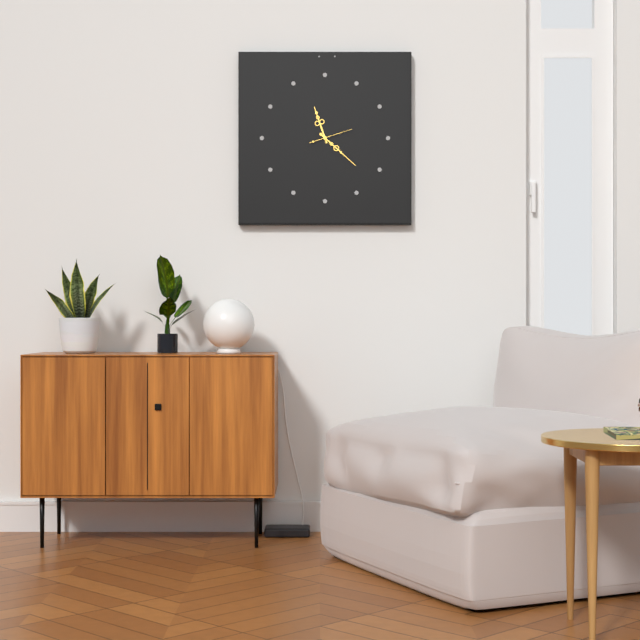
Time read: 11:22
